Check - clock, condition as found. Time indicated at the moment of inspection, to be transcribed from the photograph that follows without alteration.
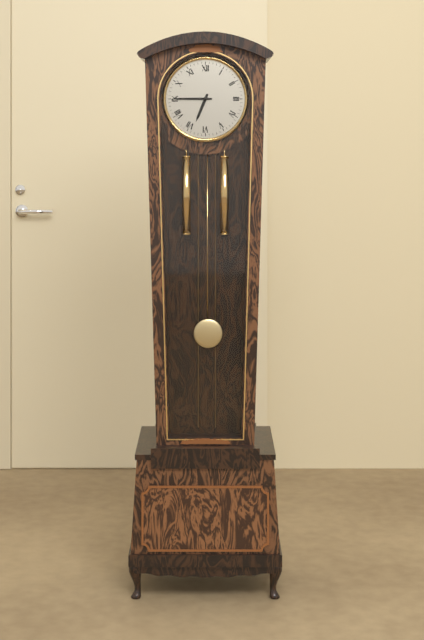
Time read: 6:45
